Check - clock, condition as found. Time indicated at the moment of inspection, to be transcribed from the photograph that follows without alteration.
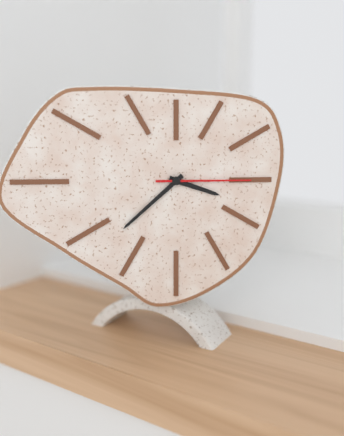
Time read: 3:38:15
